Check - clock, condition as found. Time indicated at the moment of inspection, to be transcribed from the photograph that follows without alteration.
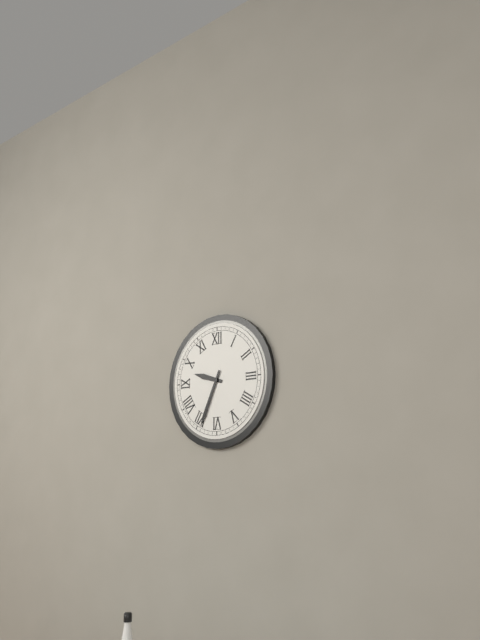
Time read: 9:34
